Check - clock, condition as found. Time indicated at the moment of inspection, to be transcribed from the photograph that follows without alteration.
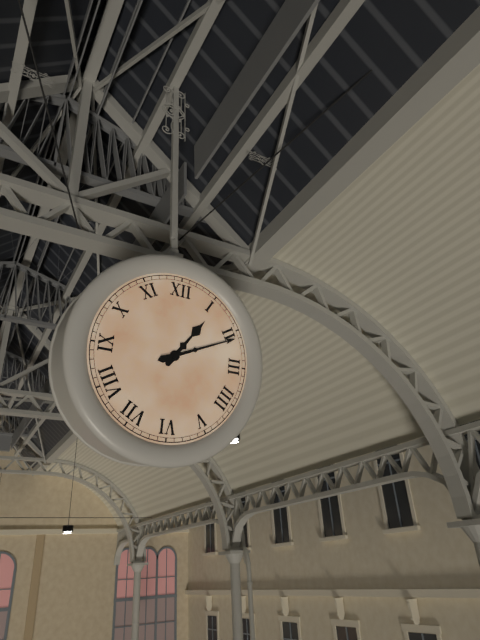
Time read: 1:11
